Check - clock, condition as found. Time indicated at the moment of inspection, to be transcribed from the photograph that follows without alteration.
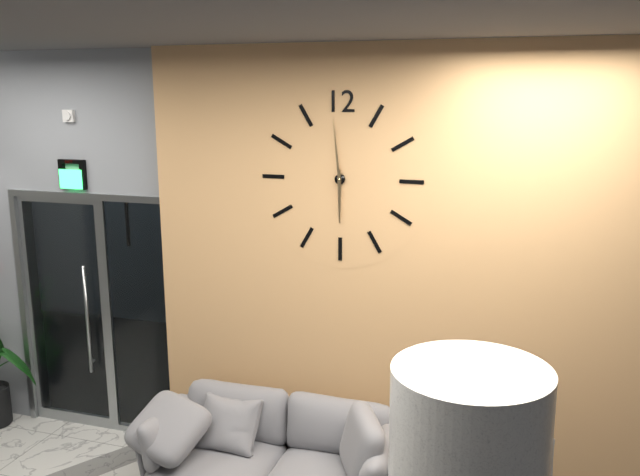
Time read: 5:59
